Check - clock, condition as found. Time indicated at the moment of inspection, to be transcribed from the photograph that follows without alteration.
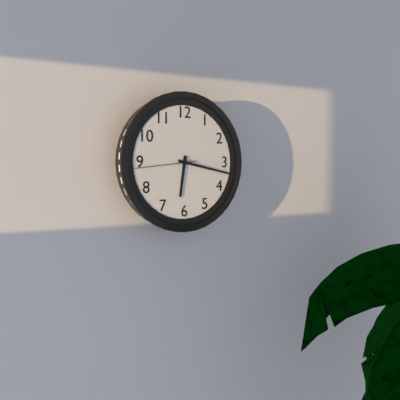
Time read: 6:17:44
